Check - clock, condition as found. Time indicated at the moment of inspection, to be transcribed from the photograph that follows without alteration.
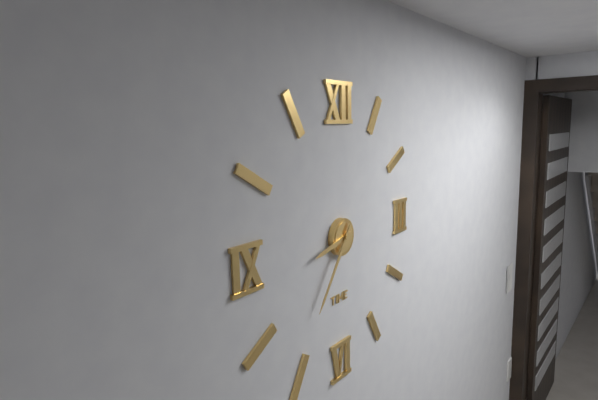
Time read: 8:36
